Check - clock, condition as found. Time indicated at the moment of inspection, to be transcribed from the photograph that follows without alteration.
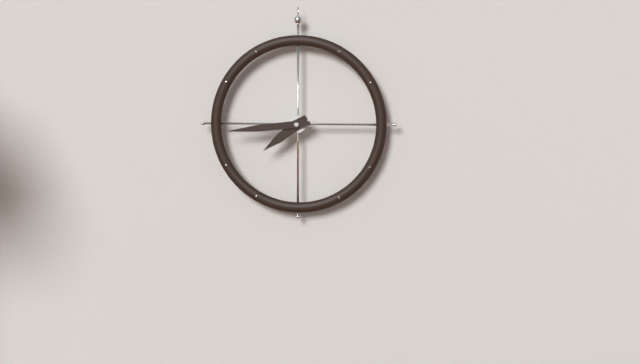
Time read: 7:44
